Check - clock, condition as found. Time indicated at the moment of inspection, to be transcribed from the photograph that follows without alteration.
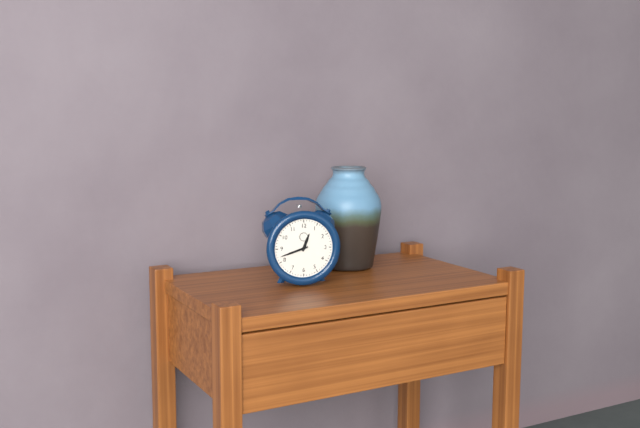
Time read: 12:42
